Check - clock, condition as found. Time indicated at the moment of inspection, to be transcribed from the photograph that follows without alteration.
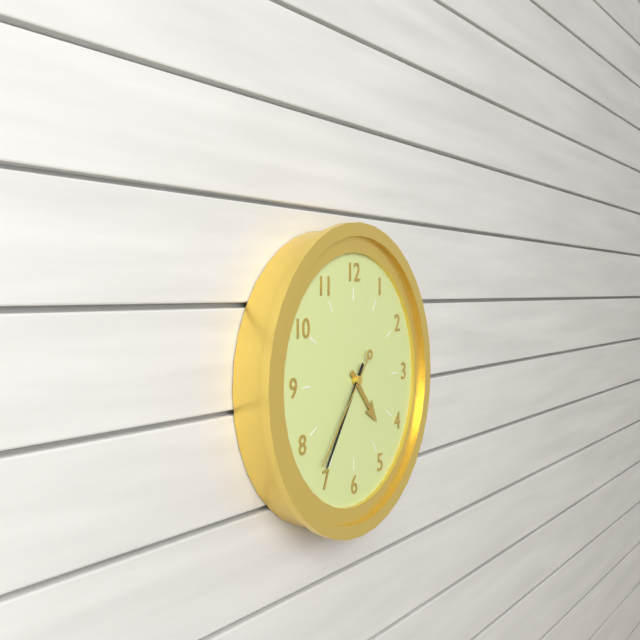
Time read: 4:36:37
